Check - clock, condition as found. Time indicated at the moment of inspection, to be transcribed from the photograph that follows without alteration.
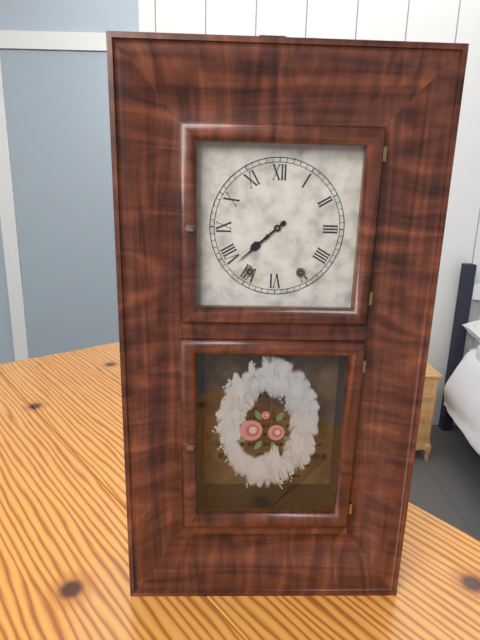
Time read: 7:38
